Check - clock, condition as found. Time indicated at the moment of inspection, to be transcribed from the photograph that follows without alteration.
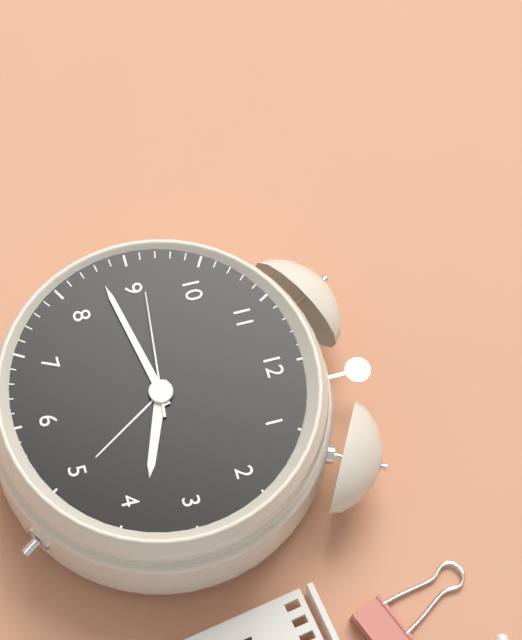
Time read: 3:43:46
